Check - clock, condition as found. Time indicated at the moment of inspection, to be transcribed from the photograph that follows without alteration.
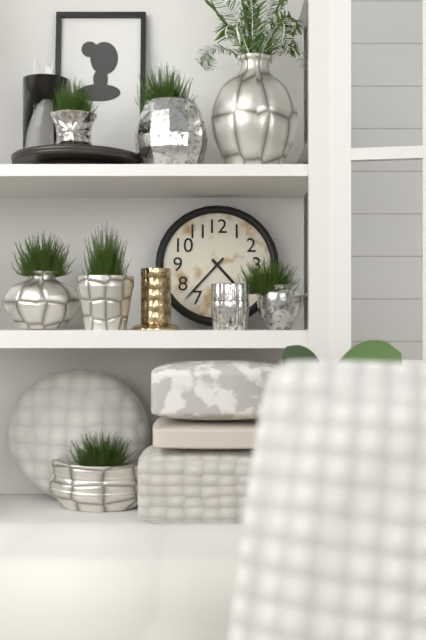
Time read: 4:37
